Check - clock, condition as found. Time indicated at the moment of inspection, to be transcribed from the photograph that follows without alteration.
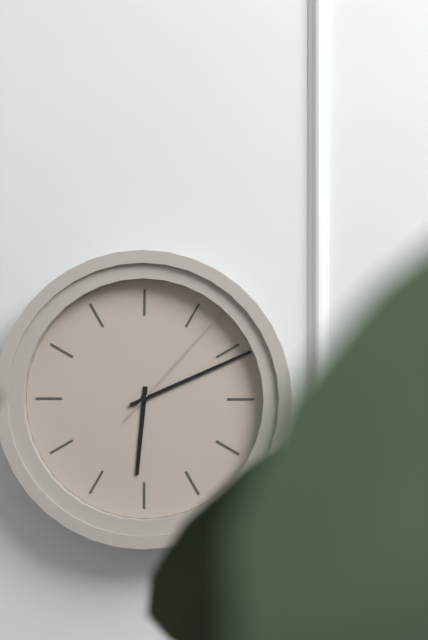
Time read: 6:11:07
